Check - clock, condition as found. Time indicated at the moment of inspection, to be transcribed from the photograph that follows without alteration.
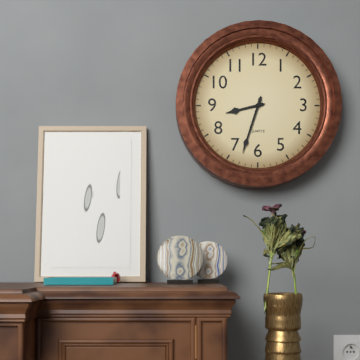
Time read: 8:33
